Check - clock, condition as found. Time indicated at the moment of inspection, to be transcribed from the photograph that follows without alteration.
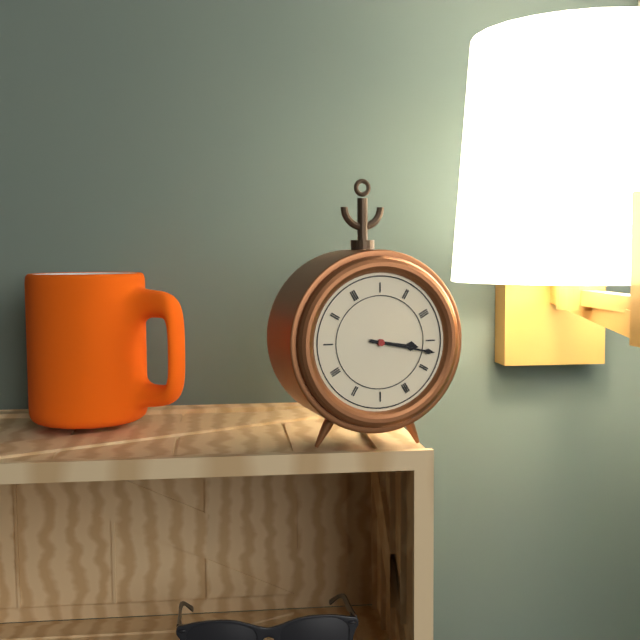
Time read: 3:17
